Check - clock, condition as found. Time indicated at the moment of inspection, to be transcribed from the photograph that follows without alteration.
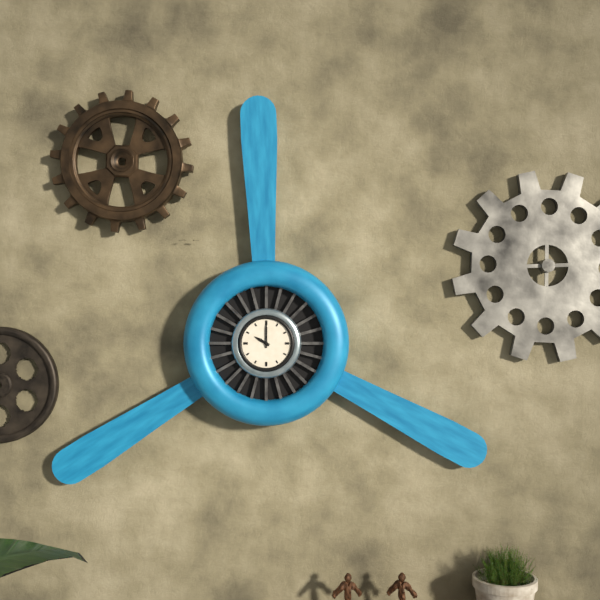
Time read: 10:00
